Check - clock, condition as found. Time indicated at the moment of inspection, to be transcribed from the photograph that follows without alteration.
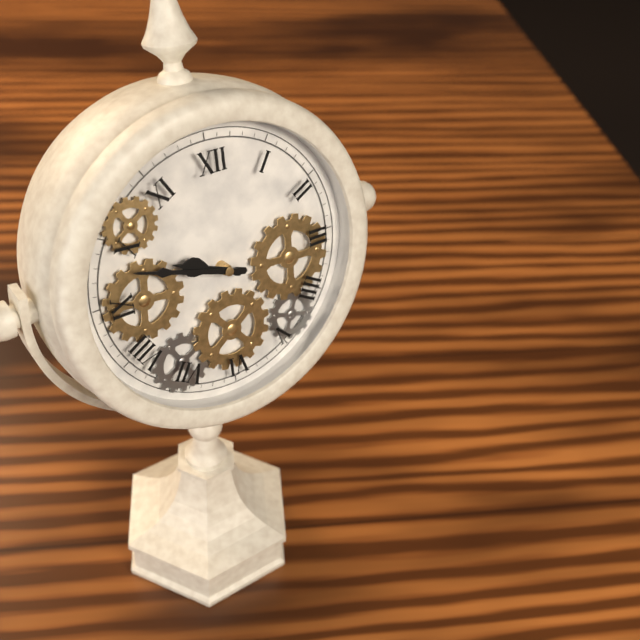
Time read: 9:48
